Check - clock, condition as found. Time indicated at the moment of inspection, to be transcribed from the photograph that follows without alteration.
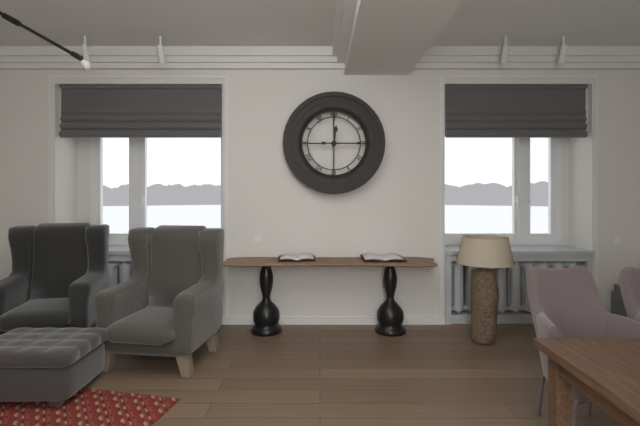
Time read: 12:15
